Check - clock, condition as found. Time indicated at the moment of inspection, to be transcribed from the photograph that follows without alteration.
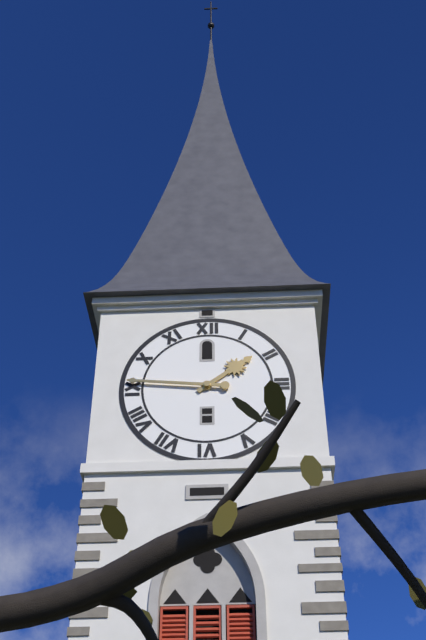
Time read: 1:46
